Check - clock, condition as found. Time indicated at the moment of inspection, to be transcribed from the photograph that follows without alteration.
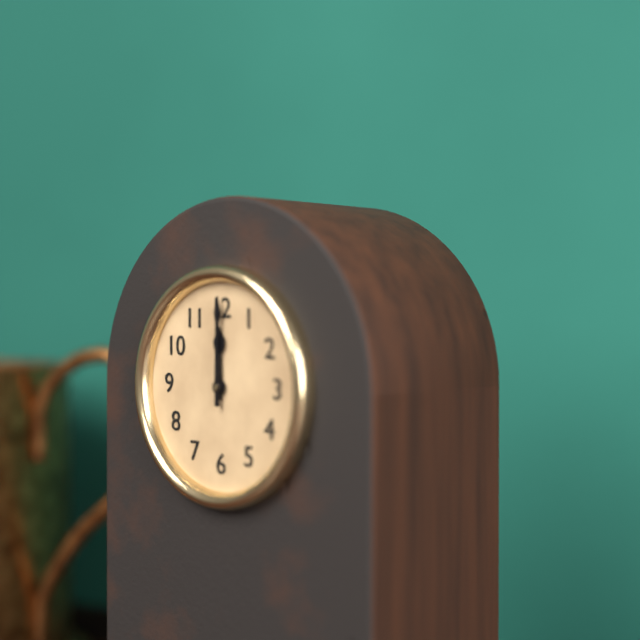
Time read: 12:00
